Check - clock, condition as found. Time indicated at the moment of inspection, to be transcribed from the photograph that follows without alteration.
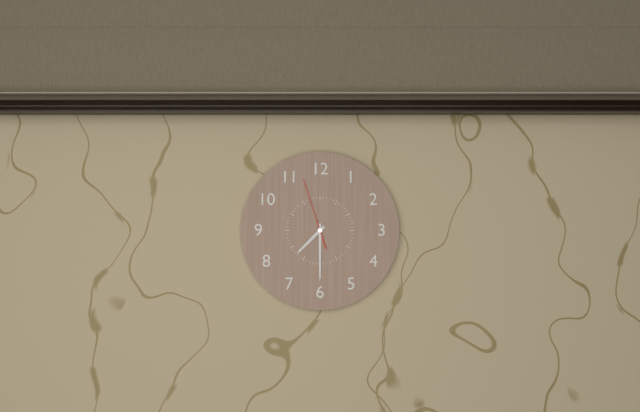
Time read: 7:30:57
